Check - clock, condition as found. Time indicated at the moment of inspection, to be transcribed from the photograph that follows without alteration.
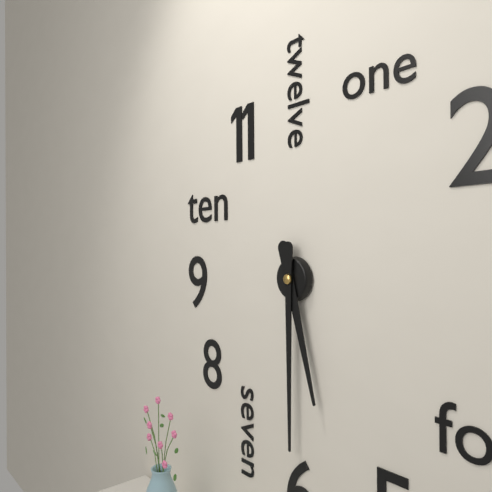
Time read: 5:30
